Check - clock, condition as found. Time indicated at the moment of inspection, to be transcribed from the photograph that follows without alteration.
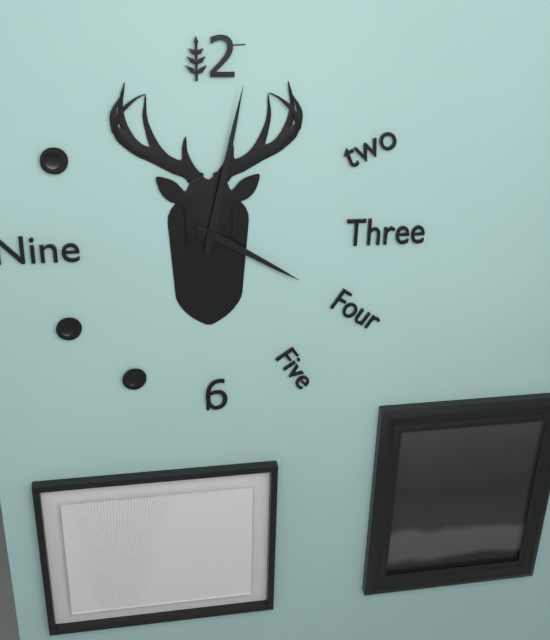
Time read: 4:02
